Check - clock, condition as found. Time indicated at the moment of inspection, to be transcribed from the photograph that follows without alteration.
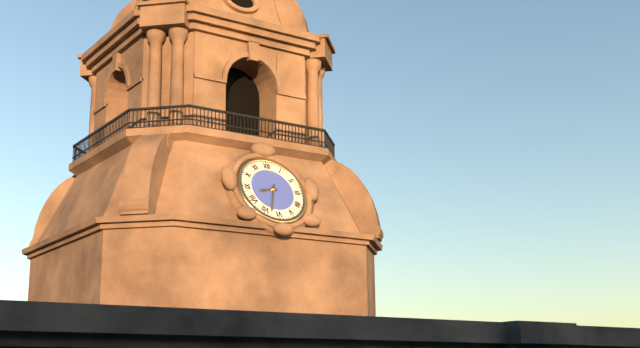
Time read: 8:33
